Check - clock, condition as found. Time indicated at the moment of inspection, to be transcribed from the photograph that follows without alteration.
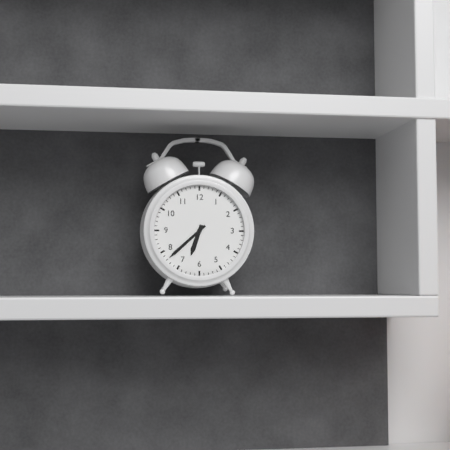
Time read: 6:38
